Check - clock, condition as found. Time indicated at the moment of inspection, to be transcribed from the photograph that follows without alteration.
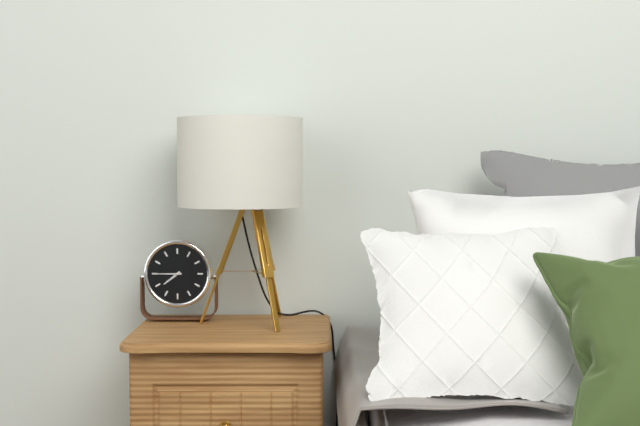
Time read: 7:45
